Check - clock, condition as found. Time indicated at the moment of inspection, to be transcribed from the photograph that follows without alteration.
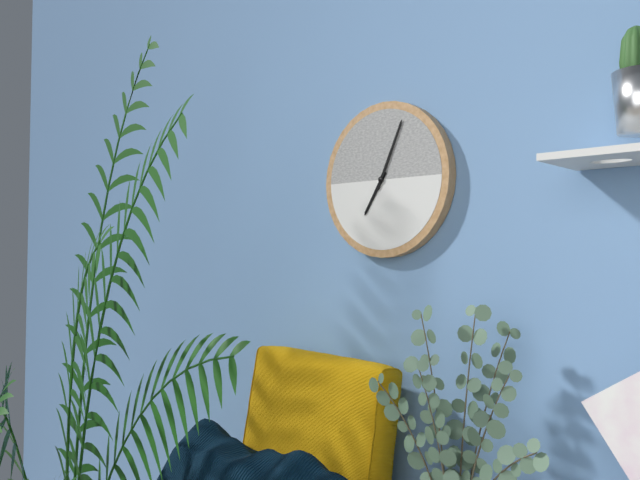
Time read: 7:04
